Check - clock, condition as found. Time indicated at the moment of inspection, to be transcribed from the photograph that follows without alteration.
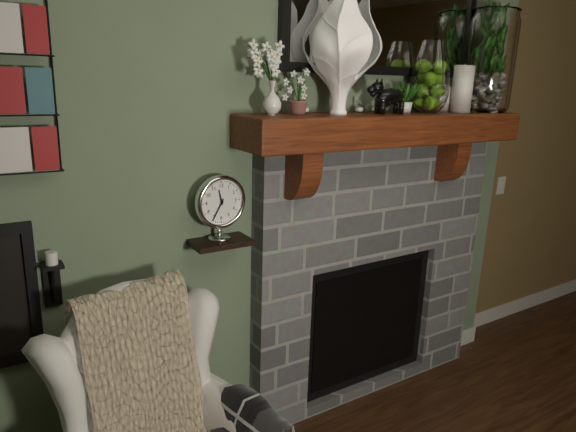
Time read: 11:35
